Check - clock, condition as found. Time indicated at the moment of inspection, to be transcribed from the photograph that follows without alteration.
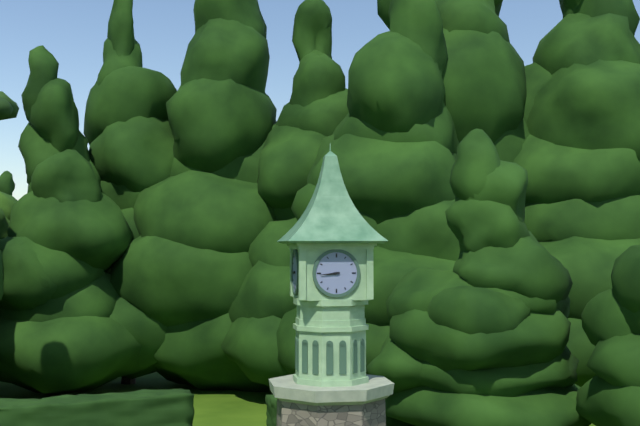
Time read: 8:44
